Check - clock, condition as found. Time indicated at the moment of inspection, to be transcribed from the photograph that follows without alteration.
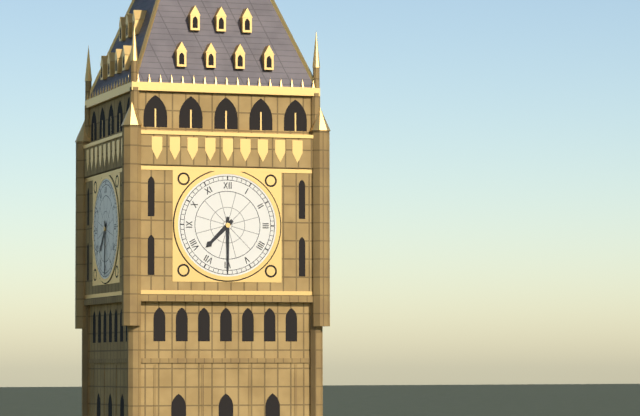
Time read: 7:30
